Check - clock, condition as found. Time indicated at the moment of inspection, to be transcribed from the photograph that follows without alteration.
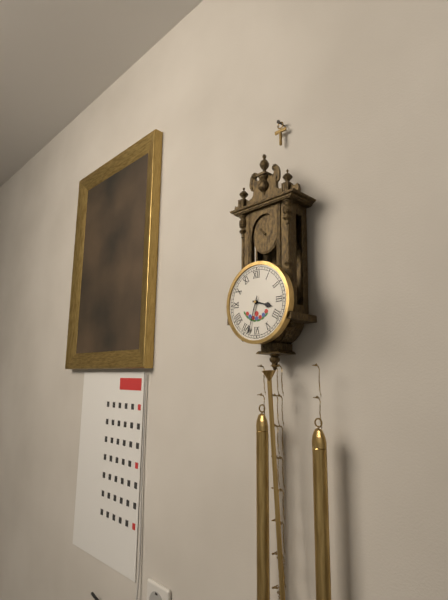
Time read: 3:33
